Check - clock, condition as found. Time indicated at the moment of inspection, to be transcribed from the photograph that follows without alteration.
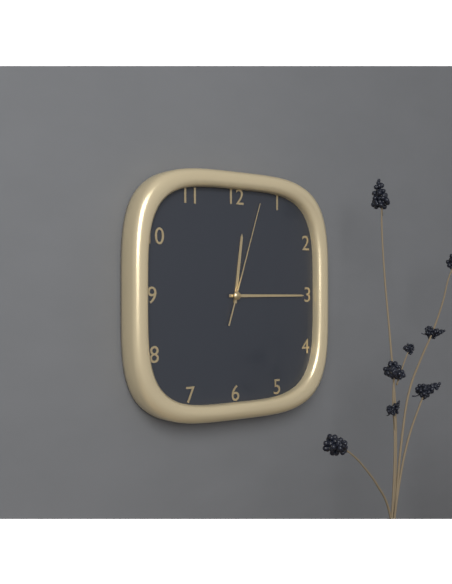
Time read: 12:15:03
